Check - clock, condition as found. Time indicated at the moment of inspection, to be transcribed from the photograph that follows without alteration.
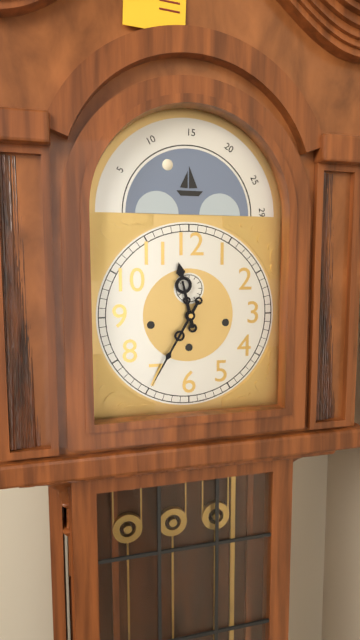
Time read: 11:35
